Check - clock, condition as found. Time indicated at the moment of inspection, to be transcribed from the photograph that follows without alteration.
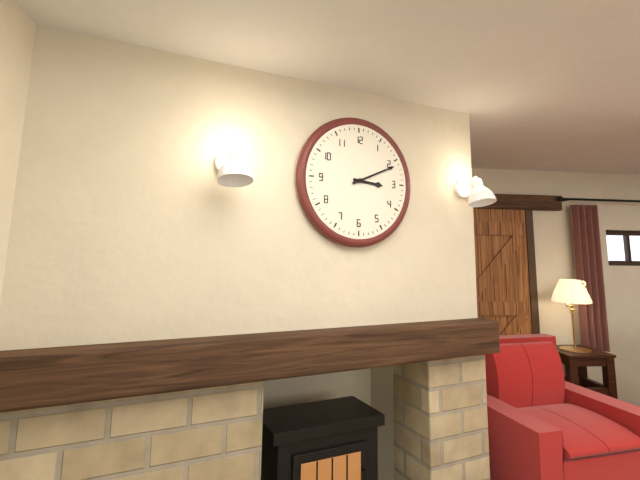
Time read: 3:11
